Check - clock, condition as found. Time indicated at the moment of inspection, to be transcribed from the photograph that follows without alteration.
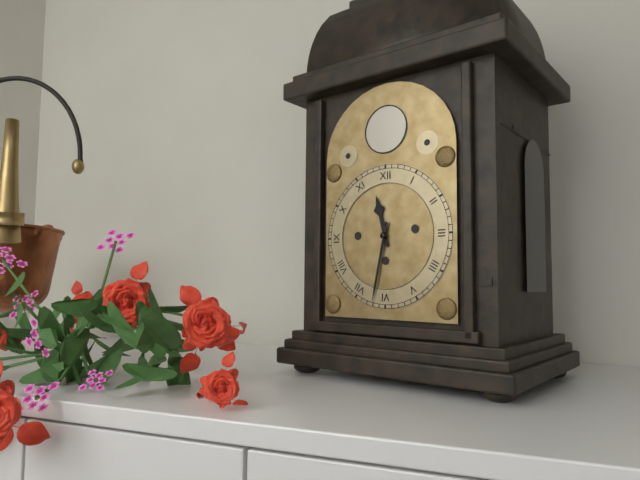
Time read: 11:32
